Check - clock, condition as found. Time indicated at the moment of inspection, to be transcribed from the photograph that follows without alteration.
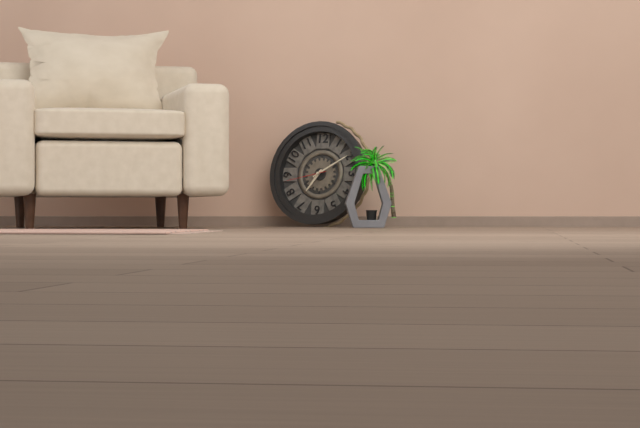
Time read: 7:10
